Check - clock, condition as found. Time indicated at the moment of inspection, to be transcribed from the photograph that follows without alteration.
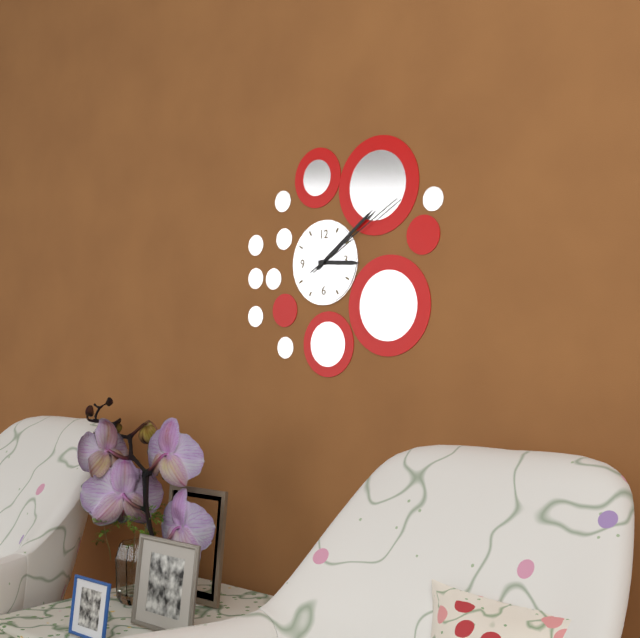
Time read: 3:09:10
